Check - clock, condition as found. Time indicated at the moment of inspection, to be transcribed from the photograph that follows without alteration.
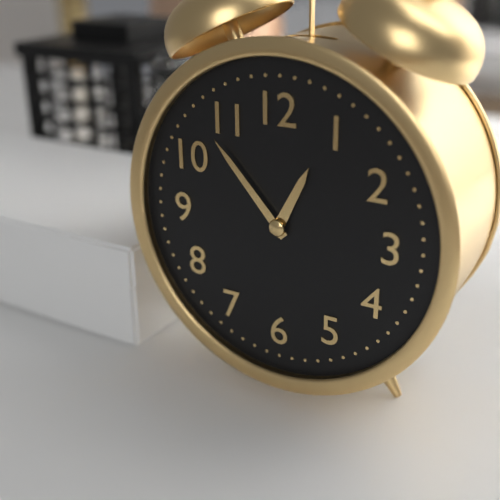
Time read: 12:53
